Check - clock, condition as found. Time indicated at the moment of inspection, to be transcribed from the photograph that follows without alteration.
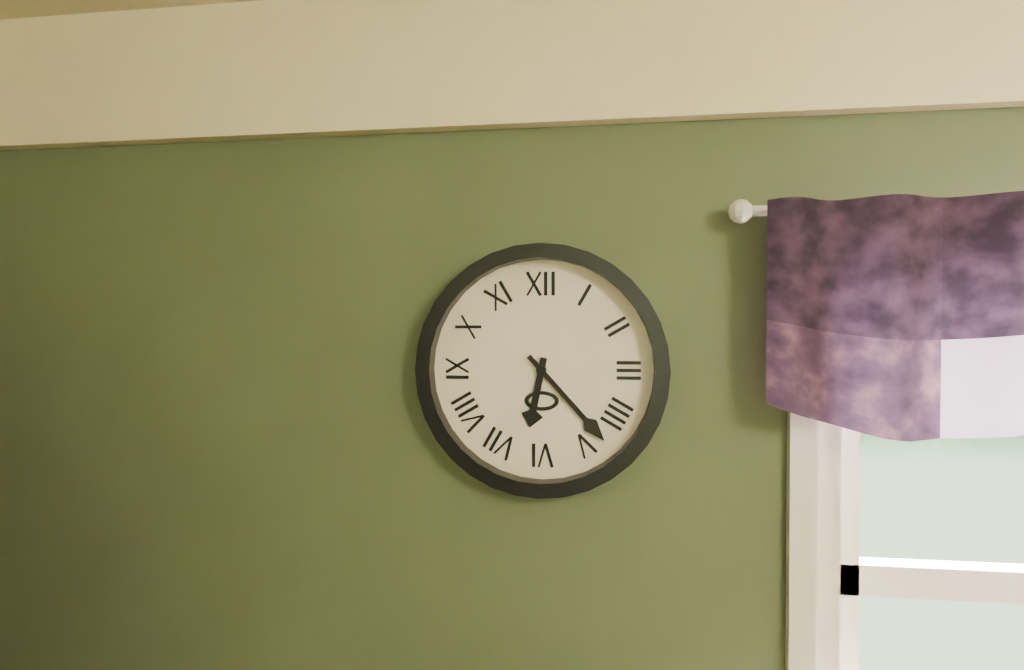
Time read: 6:23
